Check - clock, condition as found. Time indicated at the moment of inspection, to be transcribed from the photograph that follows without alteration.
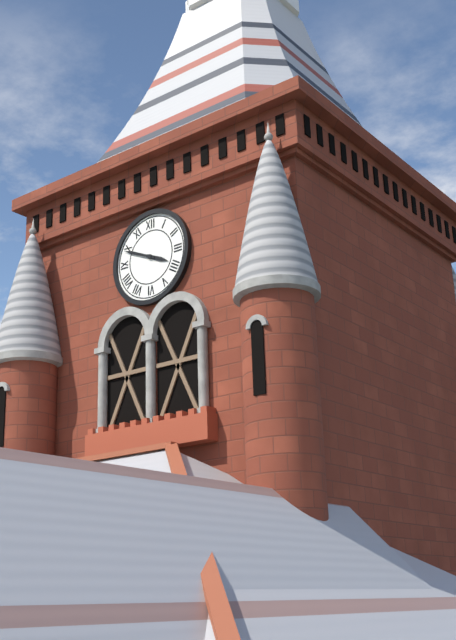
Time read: 3:49
